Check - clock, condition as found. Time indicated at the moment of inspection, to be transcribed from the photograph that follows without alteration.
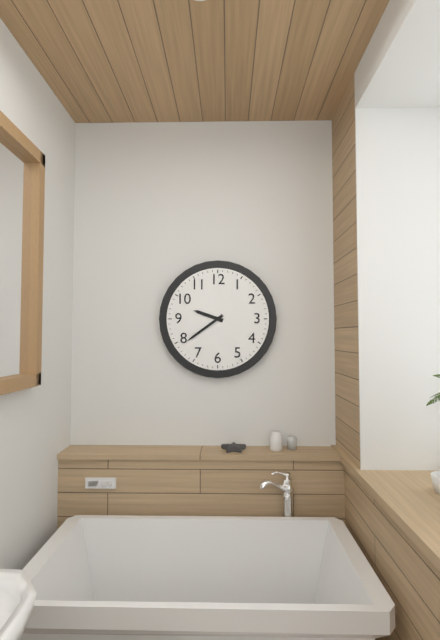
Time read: 9:39
